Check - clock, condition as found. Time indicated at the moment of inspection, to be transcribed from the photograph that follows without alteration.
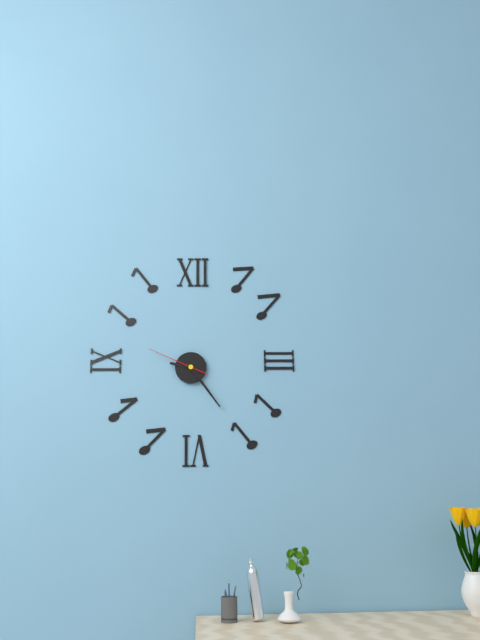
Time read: 9:24:49
